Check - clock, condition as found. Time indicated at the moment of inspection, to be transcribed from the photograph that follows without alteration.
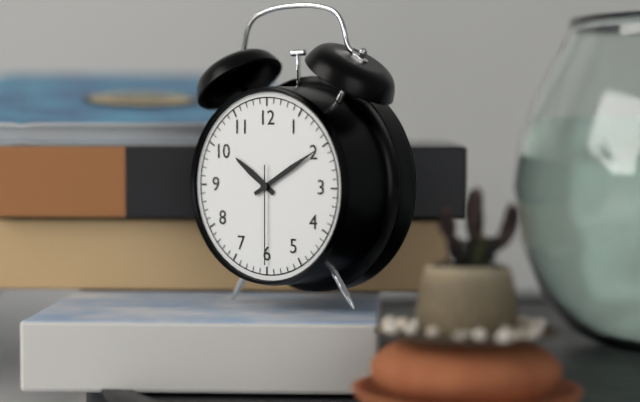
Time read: 10:10:30
